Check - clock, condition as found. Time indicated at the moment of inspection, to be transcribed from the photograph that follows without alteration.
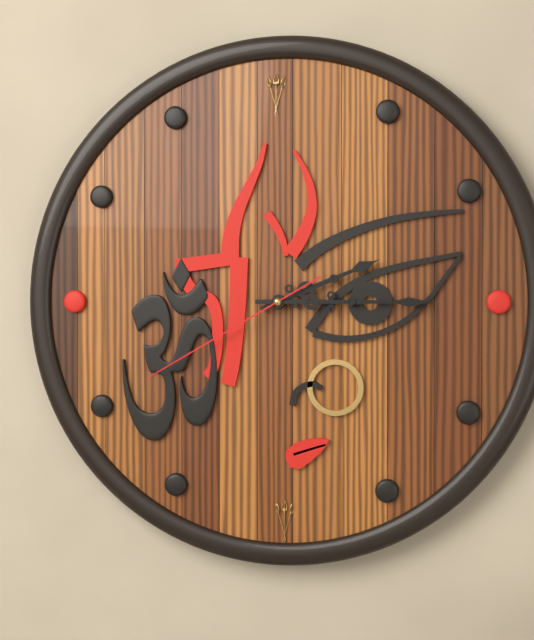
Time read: 2:15:40
